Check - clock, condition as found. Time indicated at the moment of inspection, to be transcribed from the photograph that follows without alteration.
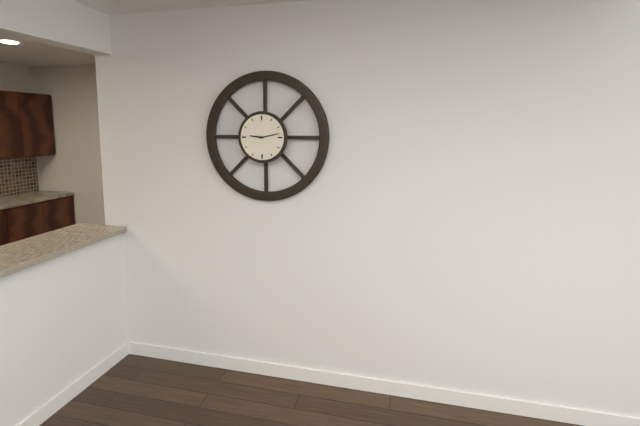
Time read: 9:13
